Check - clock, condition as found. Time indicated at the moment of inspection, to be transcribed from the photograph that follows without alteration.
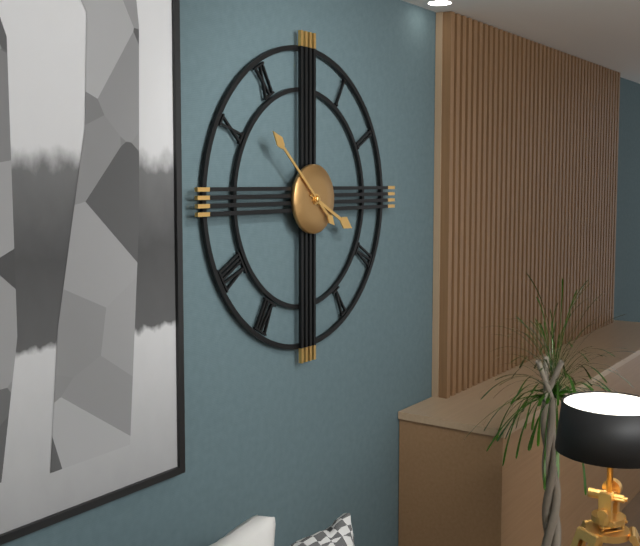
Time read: 3:52
